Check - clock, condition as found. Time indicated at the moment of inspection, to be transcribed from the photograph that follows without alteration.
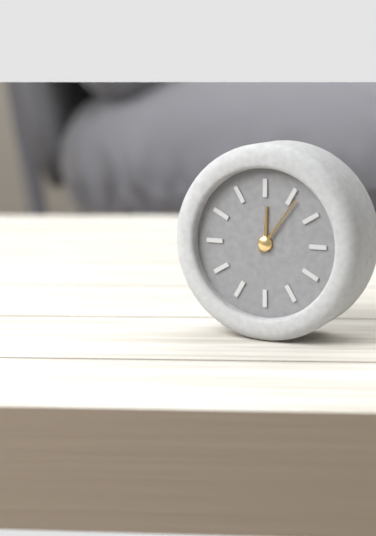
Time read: 12:06
